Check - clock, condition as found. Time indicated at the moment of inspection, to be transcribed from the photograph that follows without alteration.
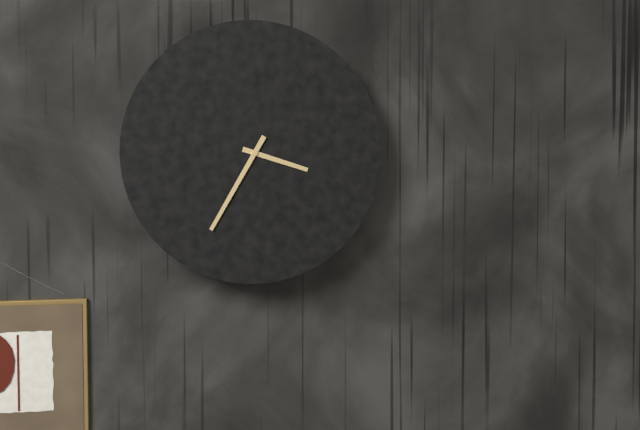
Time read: 3:35
